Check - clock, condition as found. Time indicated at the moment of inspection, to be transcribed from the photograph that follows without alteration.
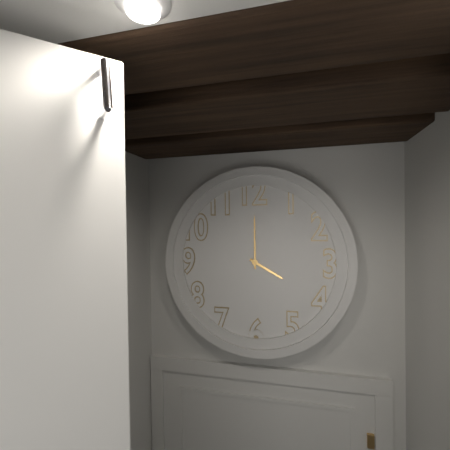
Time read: 4:00
